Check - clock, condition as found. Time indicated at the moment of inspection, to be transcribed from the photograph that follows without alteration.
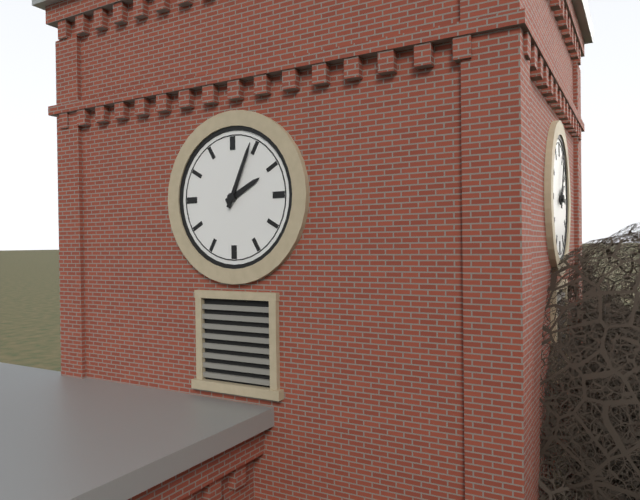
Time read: 2:04
